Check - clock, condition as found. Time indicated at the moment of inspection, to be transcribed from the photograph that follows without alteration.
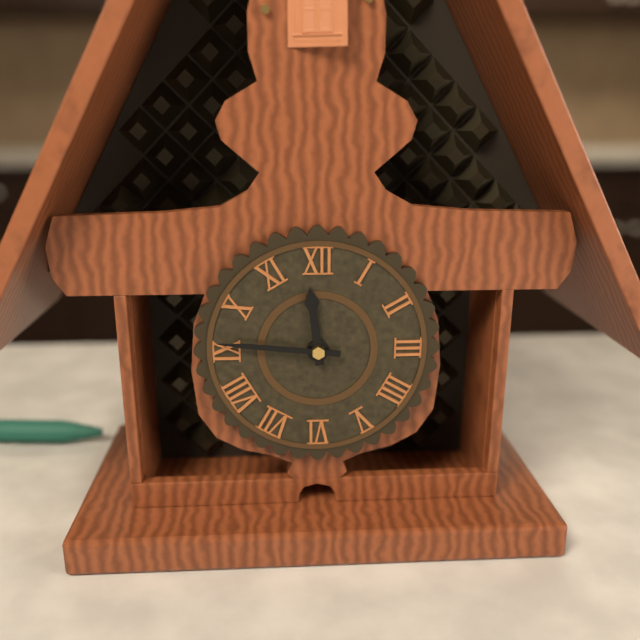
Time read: 11:46
